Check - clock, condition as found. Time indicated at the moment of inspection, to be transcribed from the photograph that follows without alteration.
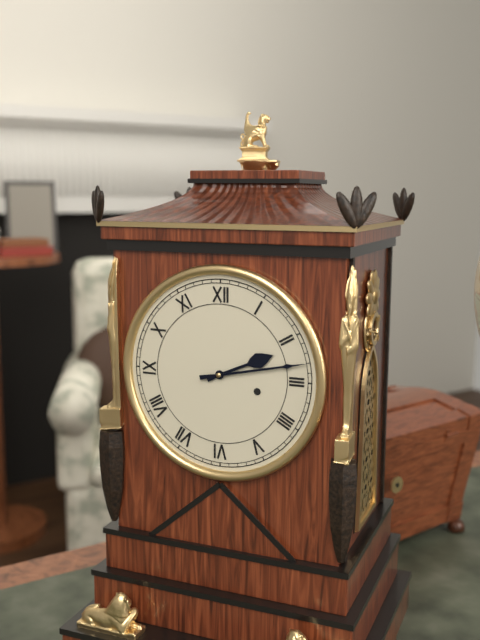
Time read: 2:13
